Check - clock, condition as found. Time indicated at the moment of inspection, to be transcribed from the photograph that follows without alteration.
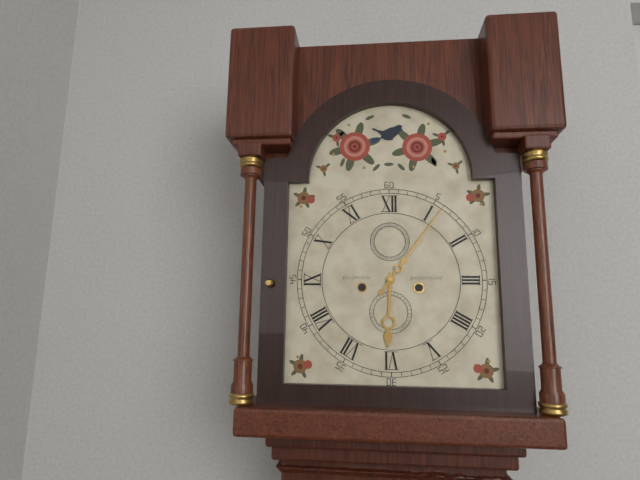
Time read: 6:06
